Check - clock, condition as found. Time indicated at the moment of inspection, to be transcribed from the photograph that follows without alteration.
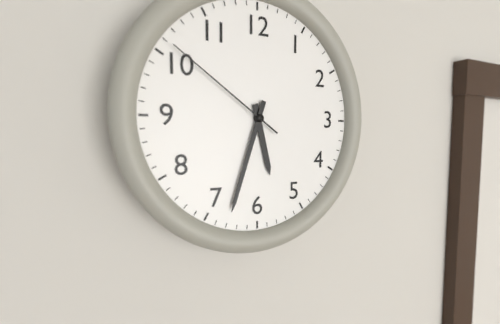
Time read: 5:33:51
